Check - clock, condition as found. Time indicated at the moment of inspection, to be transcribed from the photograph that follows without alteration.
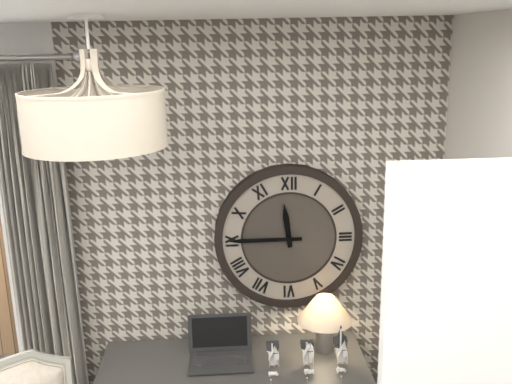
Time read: 11:45
